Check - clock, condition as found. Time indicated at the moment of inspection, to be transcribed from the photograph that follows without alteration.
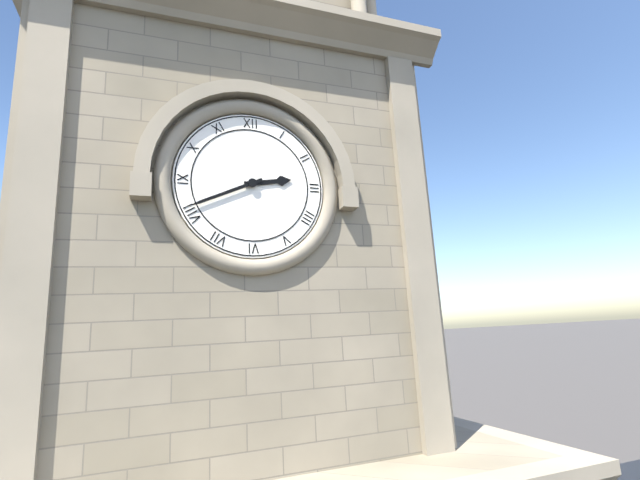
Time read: 2:41
